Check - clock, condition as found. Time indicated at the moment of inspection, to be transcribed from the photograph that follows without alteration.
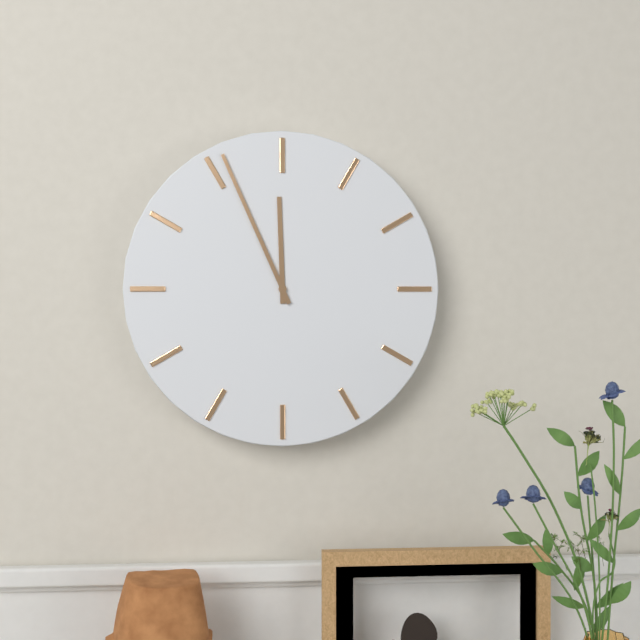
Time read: 11:56
